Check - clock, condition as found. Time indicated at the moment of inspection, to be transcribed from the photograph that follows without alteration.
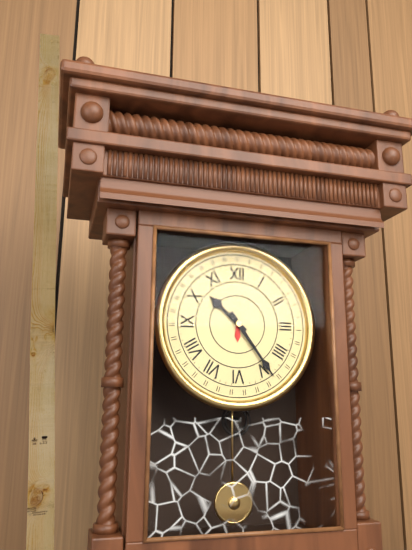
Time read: 10:24
